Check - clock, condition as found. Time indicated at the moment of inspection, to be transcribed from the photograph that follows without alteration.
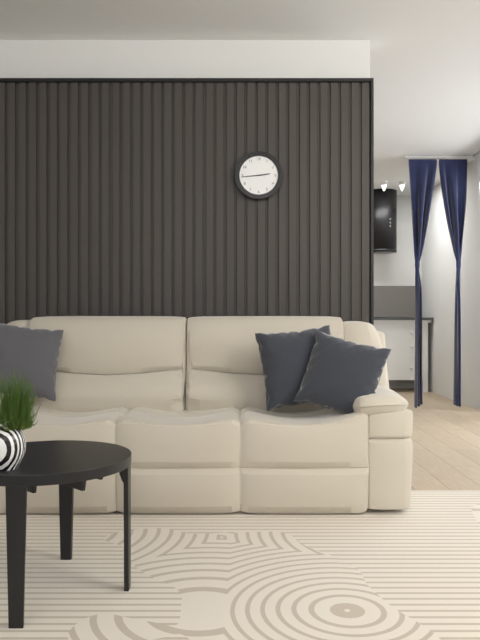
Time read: 2:44
